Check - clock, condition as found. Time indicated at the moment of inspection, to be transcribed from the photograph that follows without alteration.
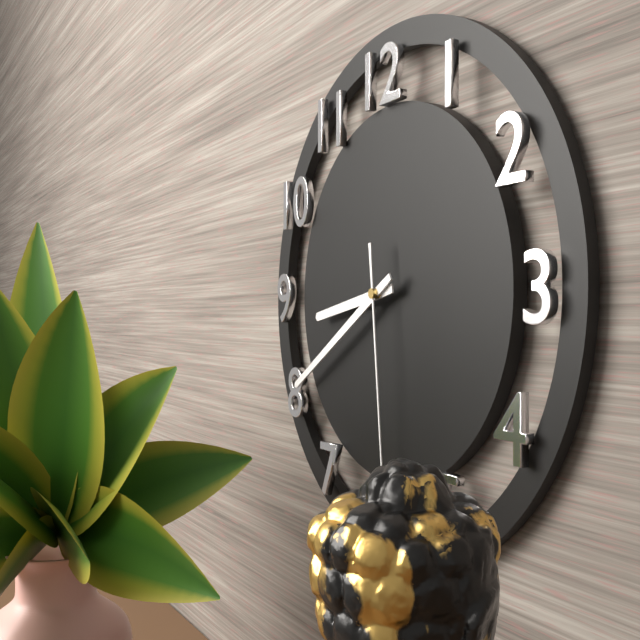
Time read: 8:40:29
